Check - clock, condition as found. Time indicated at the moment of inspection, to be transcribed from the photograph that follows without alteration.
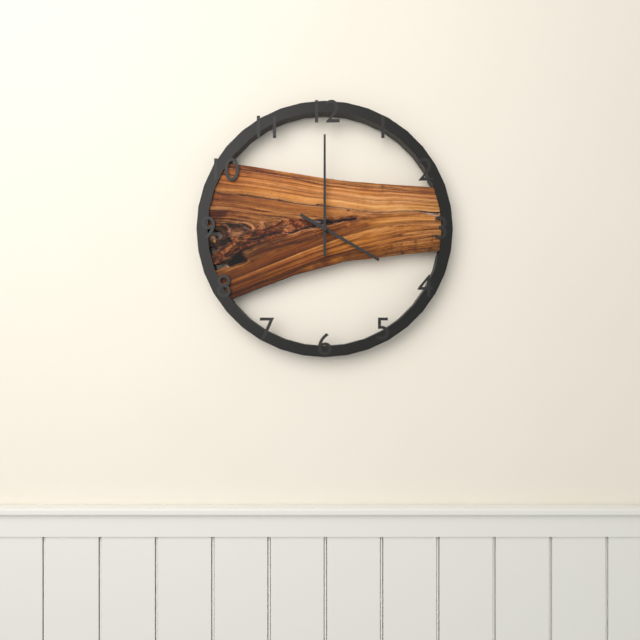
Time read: 4:00
